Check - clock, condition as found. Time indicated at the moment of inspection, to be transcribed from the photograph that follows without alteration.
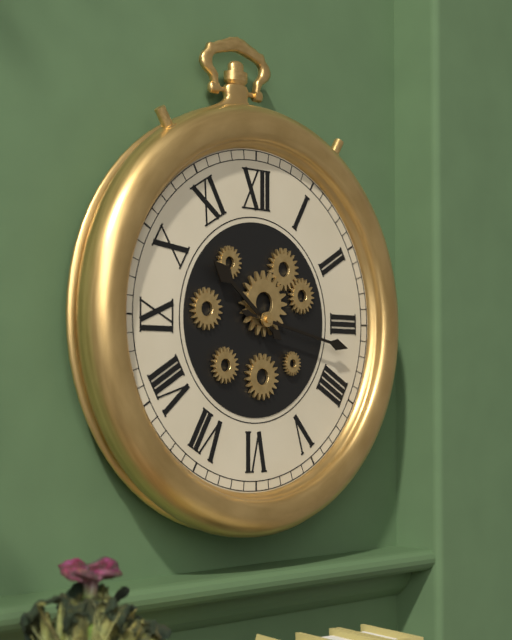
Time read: 10:17
